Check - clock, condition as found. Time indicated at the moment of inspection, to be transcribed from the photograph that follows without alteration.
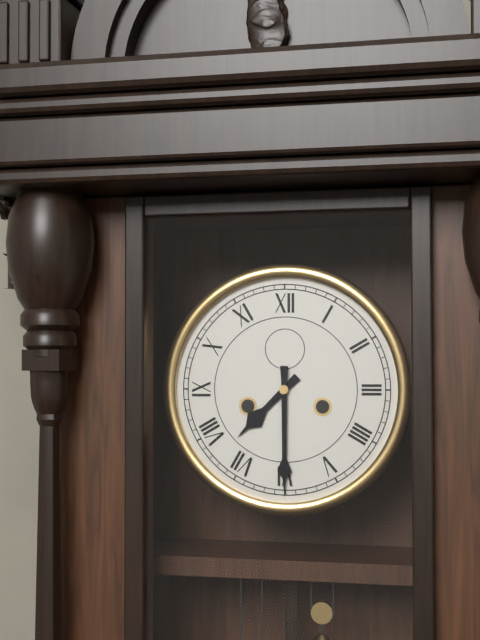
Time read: 7:30
